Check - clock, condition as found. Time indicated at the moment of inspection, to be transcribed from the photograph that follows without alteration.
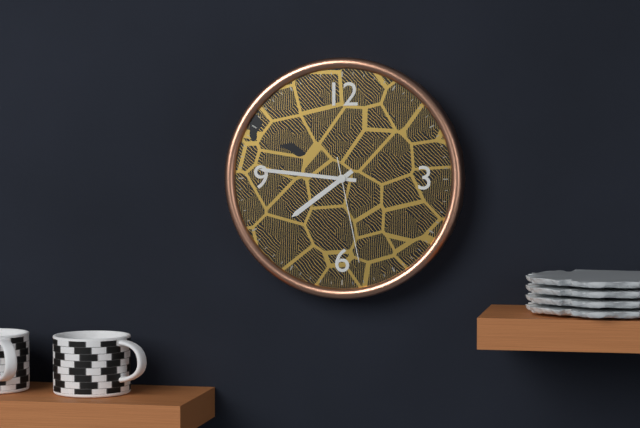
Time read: 7:46:28
